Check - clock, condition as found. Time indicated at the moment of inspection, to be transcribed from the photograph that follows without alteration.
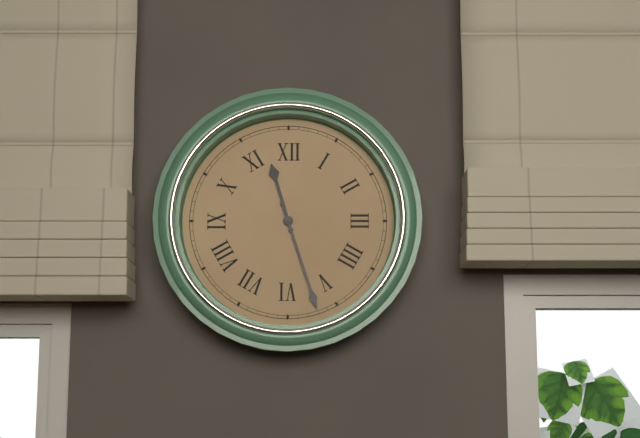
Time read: 11:27
